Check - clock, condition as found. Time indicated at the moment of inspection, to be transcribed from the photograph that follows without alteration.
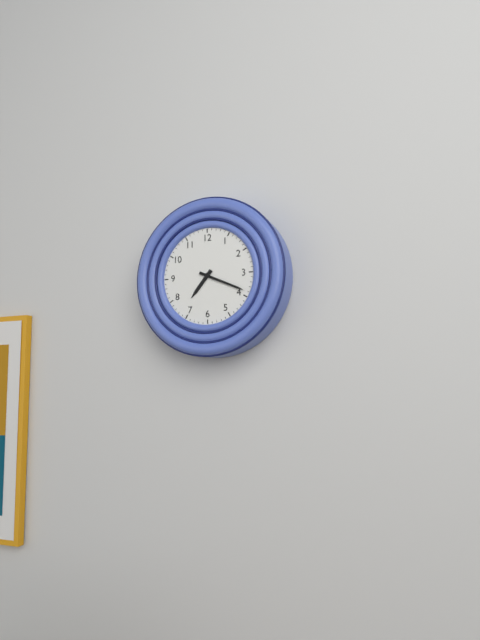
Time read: 7:19
